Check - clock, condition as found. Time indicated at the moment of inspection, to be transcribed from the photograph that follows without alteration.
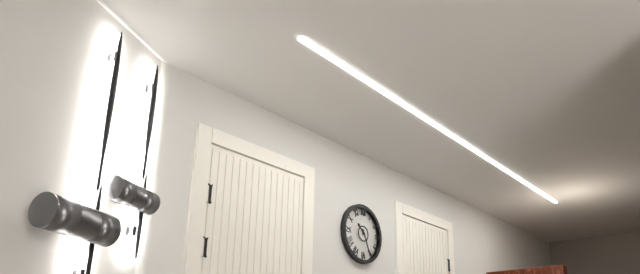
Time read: 10:26
